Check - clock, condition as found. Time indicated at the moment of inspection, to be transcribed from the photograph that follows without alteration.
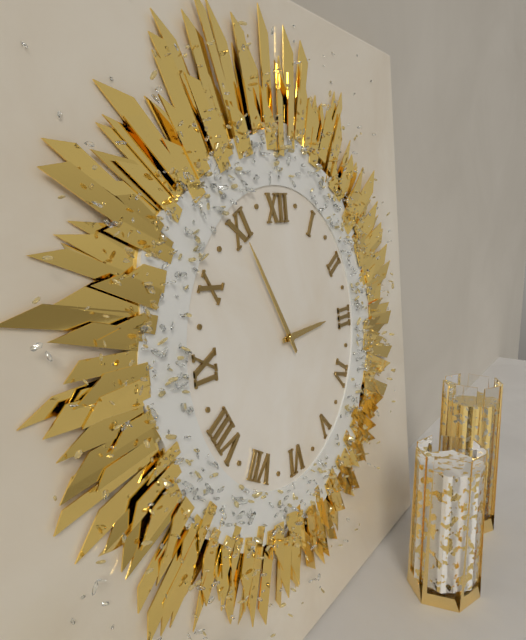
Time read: 2:55
